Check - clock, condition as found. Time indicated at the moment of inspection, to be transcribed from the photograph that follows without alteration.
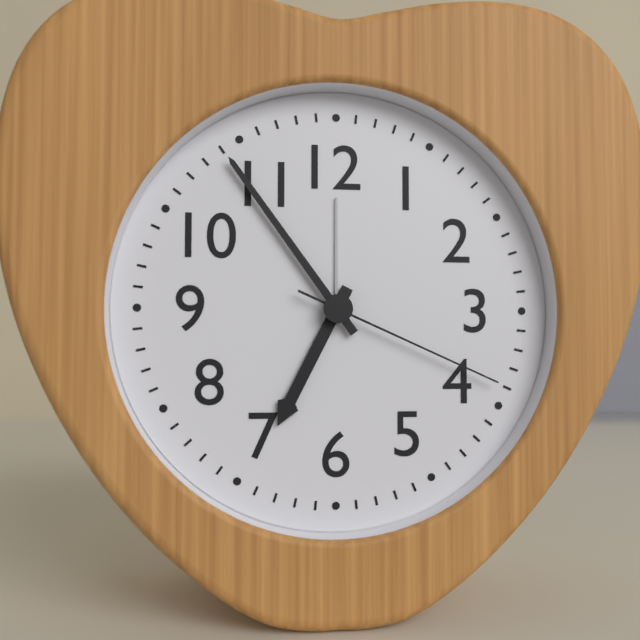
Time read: 6:54:19
